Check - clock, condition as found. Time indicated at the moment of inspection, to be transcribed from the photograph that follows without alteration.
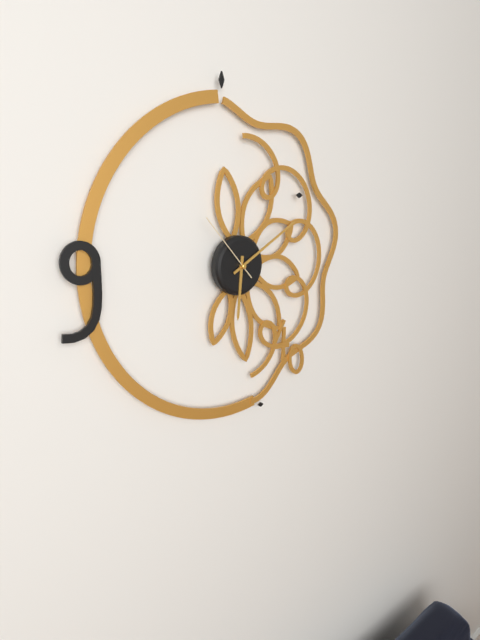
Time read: 6:10:53
